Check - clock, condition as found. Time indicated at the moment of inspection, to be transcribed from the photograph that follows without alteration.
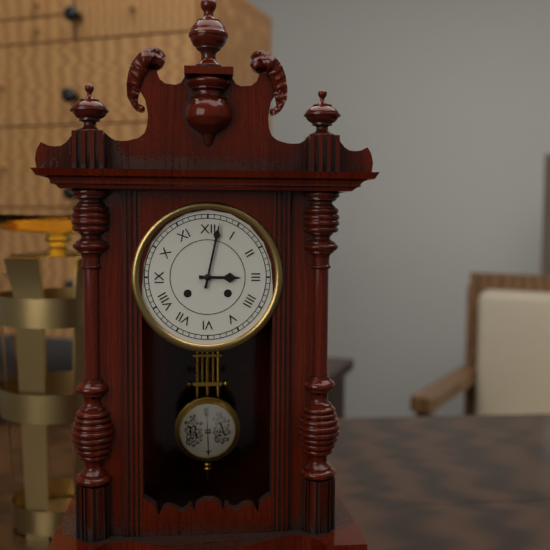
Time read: 3:02
